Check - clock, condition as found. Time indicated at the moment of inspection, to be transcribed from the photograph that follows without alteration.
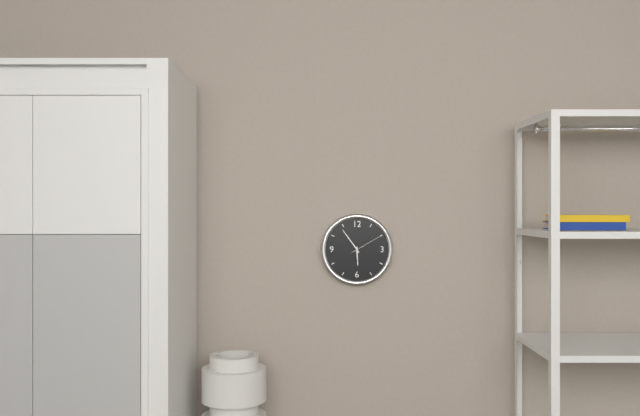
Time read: 5:54
